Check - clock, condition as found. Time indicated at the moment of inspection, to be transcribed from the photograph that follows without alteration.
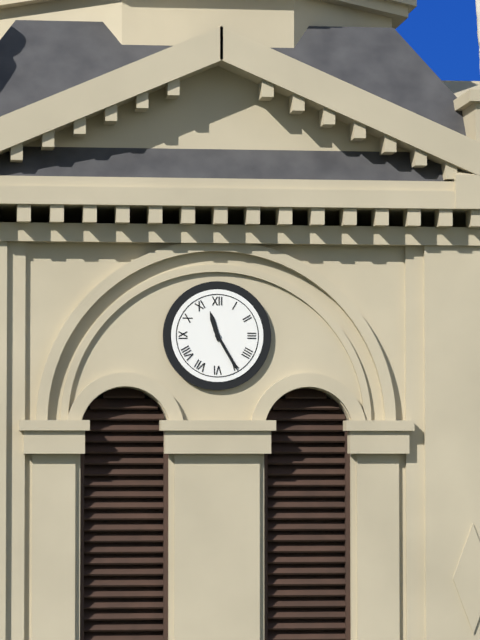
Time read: 11:25
